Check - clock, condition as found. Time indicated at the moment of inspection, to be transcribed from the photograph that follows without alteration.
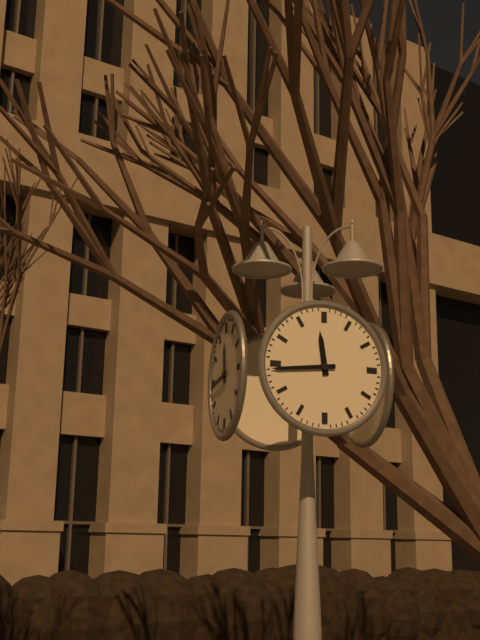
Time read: 11:44
